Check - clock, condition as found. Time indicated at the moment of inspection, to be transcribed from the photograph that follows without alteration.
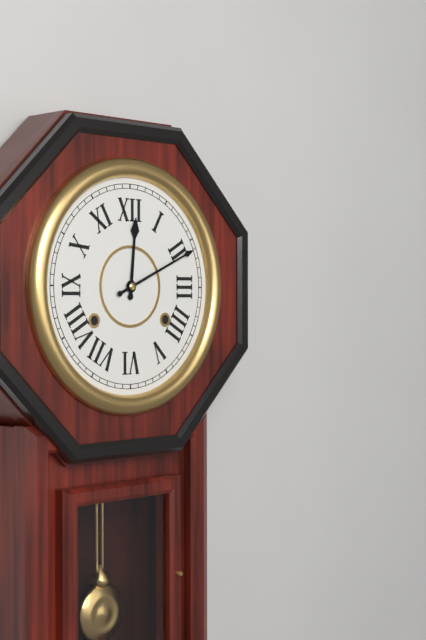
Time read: 12:11
